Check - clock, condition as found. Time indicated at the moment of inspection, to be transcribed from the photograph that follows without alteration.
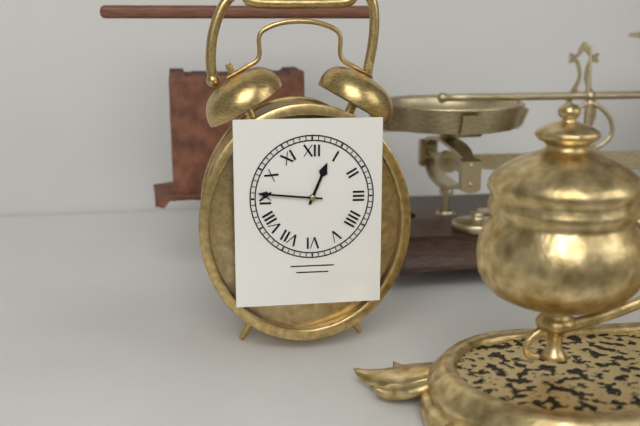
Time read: 12:46
